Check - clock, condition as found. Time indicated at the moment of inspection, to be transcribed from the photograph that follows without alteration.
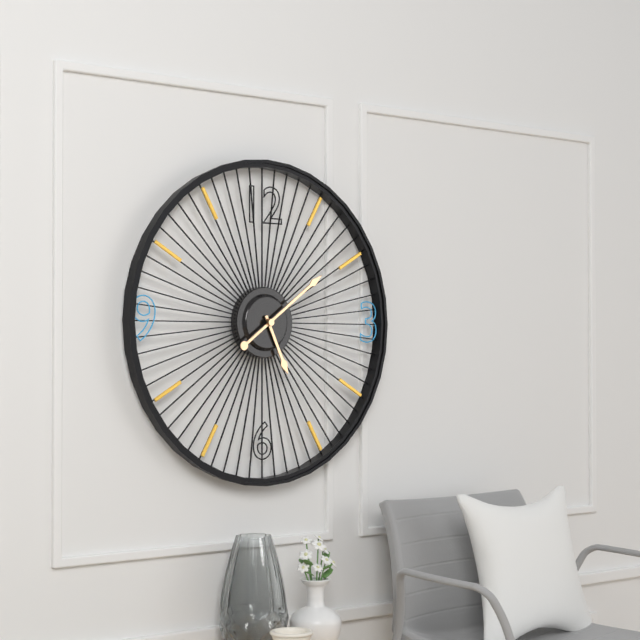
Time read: 5:09
